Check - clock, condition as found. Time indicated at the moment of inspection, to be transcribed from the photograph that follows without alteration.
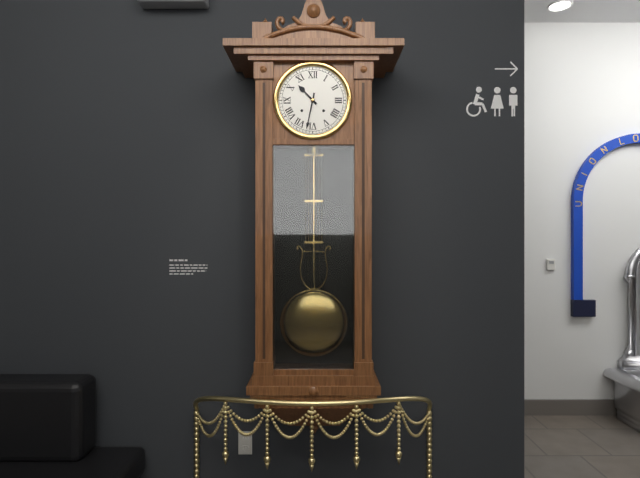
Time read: 10:32
